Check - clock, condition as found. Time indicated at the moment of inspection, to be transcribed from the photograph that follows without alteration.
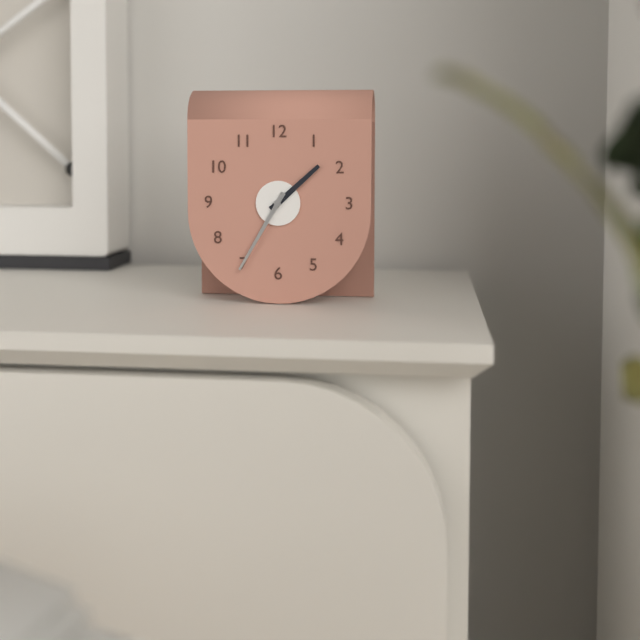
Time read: 1:35
